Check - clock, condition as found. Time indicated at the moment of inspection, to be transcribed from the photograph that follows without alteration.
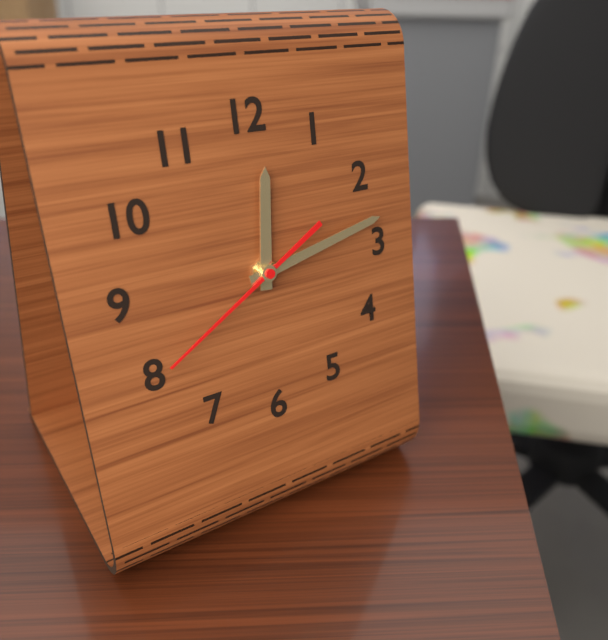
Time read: 12:13:40
